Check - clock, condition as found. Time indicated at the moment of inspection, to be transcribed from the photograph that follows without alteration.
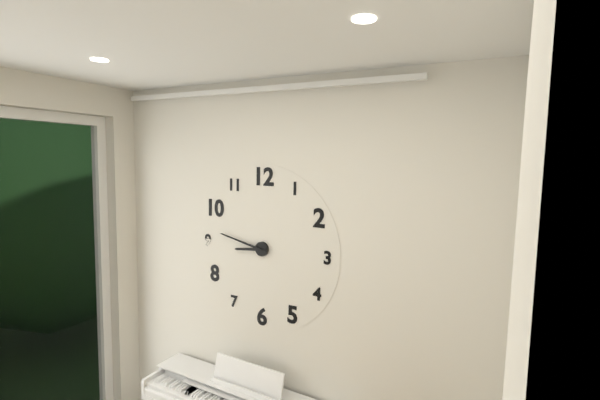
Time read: 8:47
